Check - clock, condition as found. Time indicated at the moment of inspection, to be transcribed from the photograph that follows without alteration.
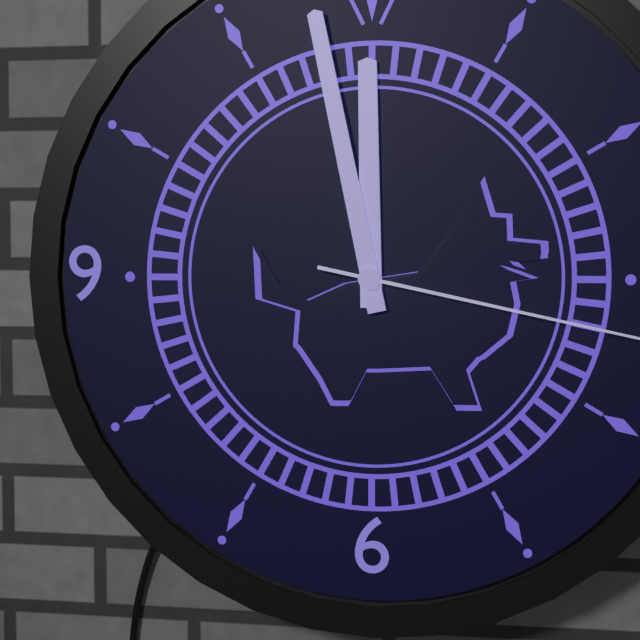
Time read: 11:58
